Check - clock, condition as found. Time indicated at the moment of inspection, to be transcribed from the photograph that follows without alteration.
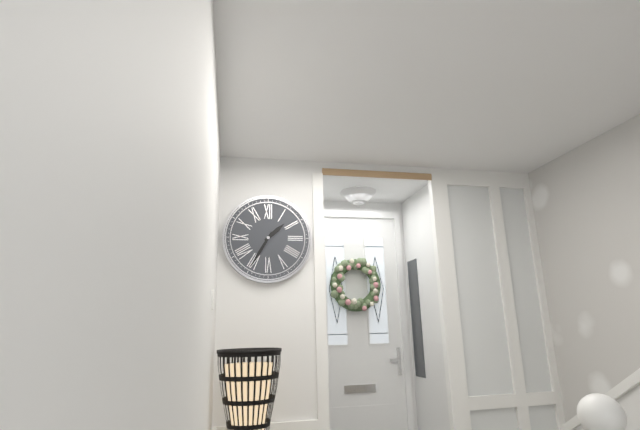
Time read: 1:35
